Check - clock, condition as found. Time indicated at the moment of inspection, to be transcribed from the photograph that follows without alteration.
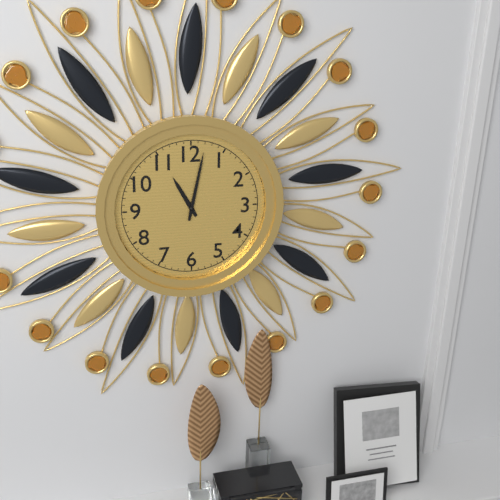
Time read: 11:02
